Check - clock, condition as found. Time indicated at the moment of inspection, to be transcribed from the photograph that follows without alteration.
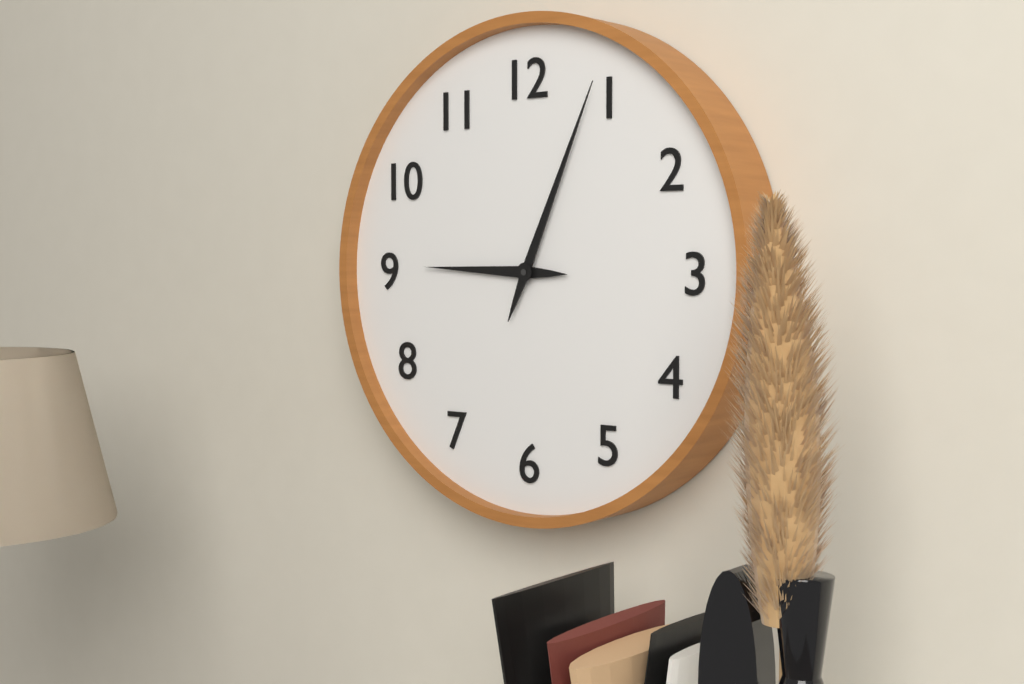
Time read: 9:04
